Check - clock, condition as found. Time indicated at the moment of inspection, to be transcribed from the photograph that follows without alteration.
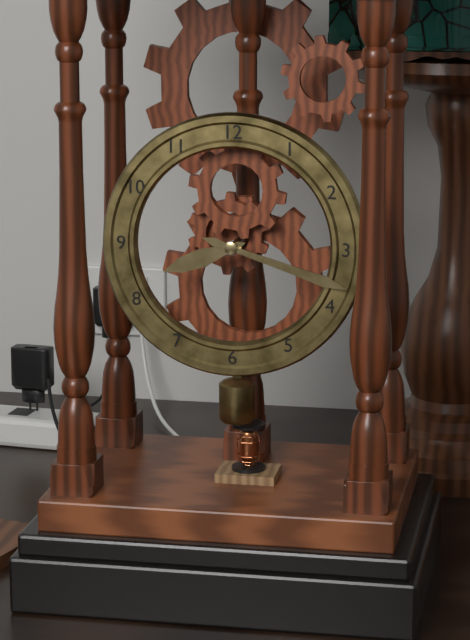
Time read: 8:18
